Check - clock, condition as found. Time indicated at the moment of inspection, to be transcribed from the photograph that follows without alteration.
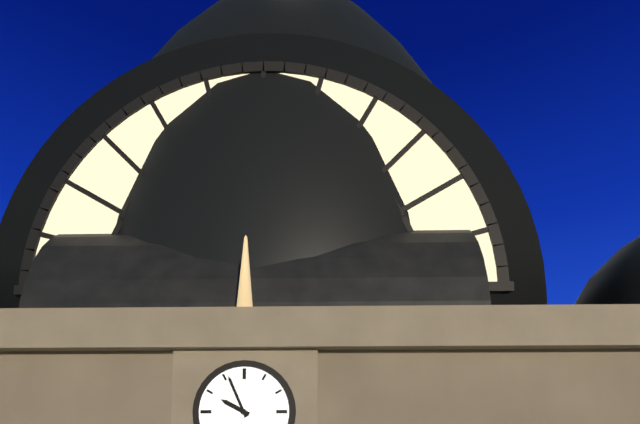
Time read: 9:56
